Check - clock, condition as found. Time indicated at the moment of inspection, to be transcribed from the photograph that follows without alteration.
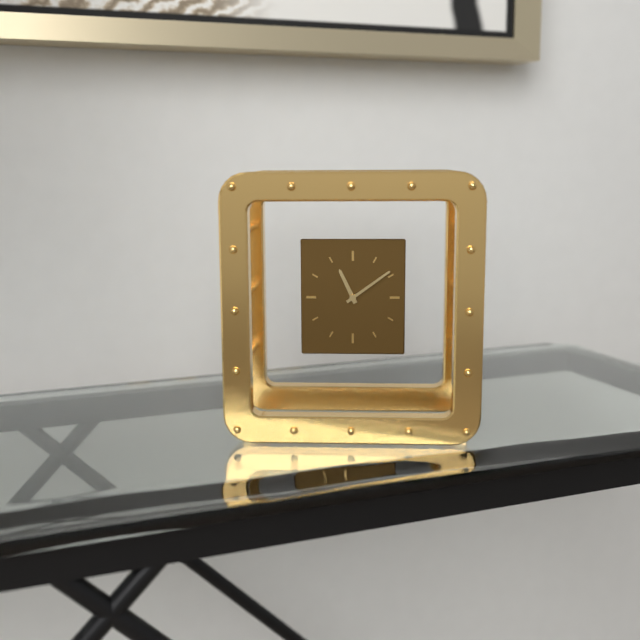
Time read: 11:09
